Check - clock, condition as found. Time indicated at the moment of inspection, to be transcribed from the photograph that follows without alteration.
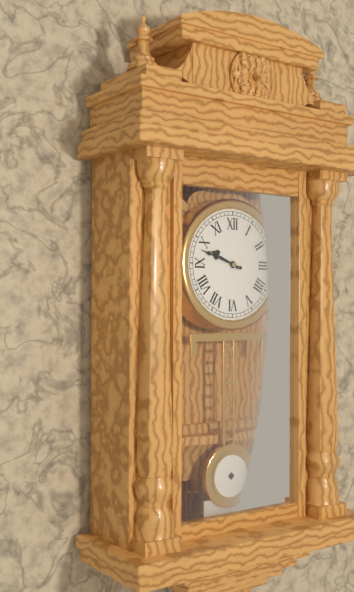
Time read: 9:48
